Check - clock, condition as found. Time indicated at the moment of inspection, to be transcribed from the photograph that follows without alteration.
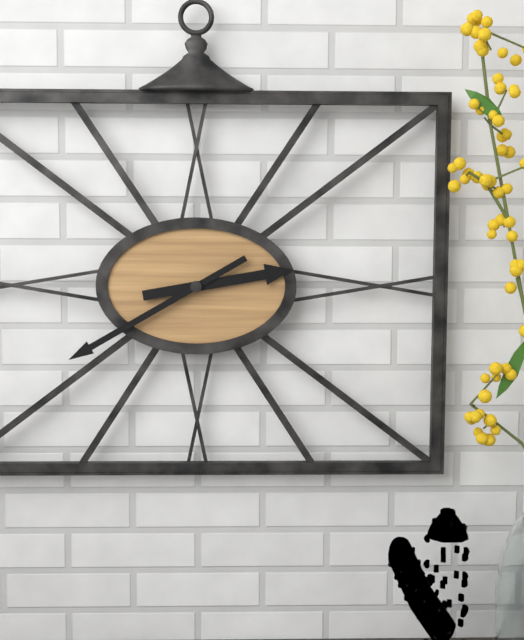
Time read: 2:40
